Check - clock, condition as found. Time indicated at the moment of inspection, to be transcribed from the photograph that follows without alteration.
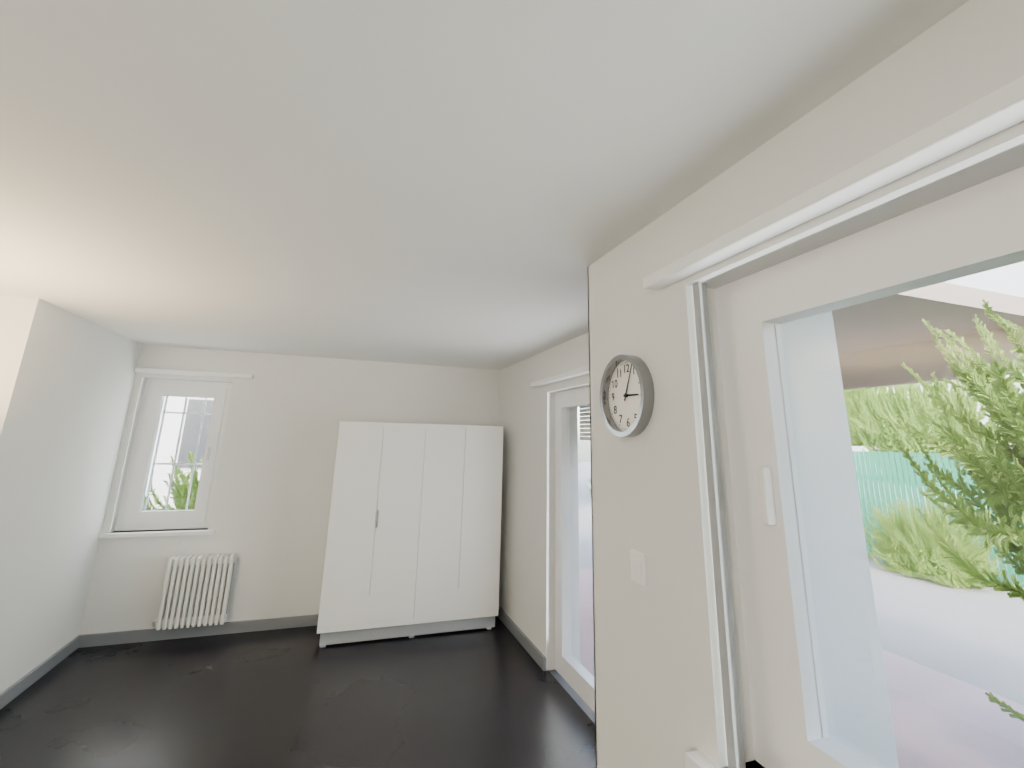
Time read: 3:04
